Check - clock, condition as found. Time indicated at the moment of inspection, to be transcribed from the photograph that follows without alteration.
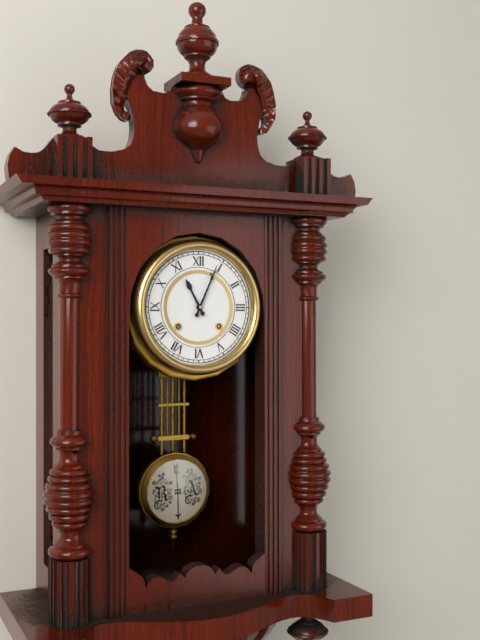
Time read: 11:04
